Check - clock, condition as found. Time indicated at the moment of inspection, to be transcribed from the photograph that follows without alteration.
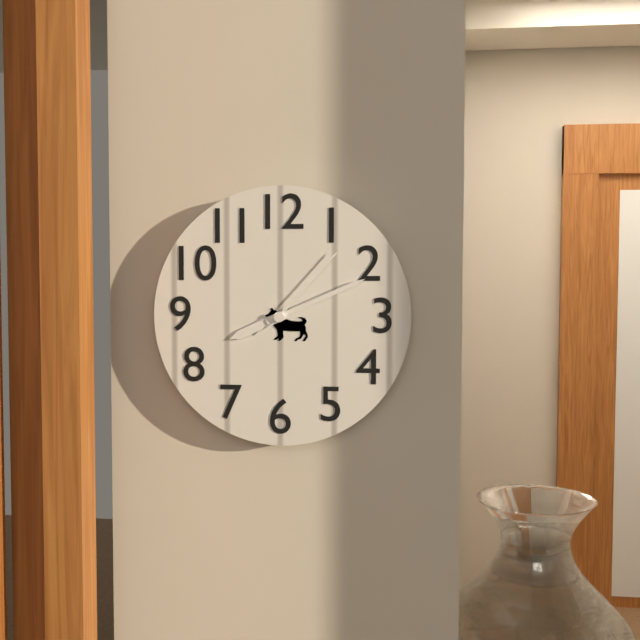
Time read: 8:11:07
